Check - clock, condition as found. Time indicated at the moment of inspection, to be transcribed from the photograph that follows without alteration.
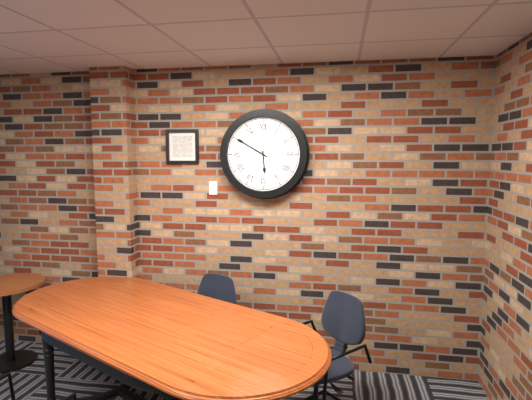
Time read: 5:50
